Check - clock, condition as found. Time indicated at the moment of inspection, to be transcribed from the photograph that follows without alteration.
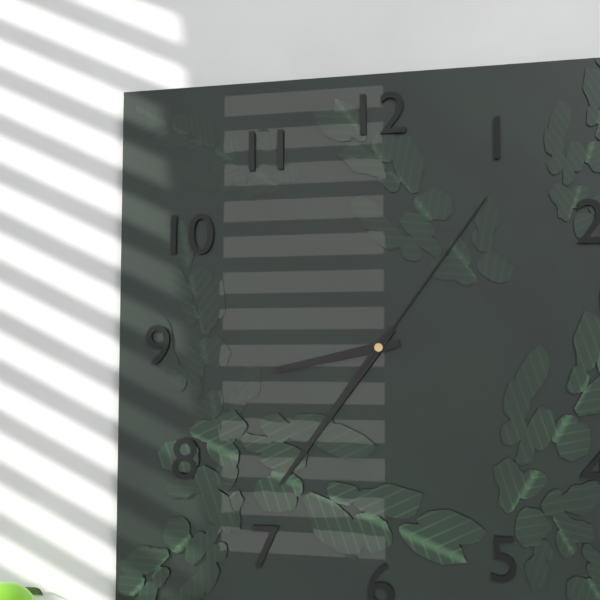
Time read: 8:36:06
